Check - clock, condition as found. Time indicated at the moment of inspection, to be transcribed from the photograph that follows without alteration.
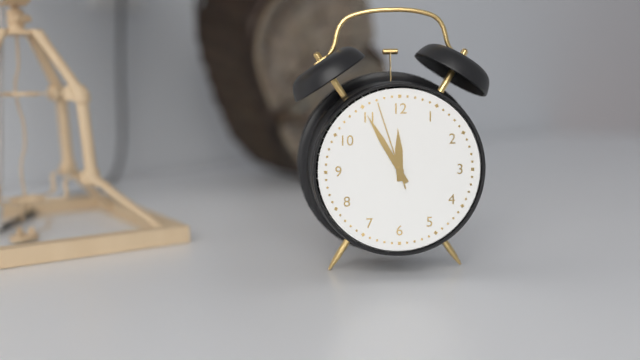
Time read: 11:55:57
